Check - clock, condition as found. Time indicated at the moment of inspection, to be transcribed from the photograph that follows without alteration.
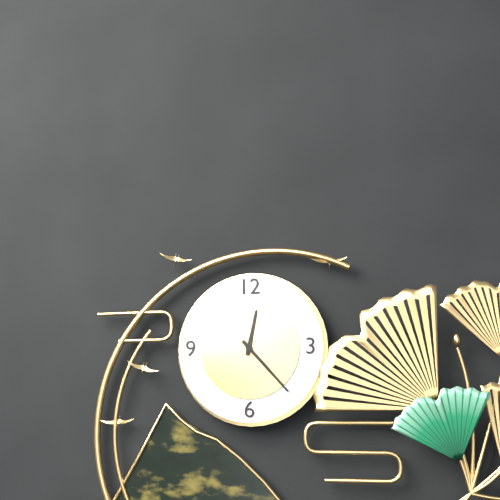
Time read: 12:23
